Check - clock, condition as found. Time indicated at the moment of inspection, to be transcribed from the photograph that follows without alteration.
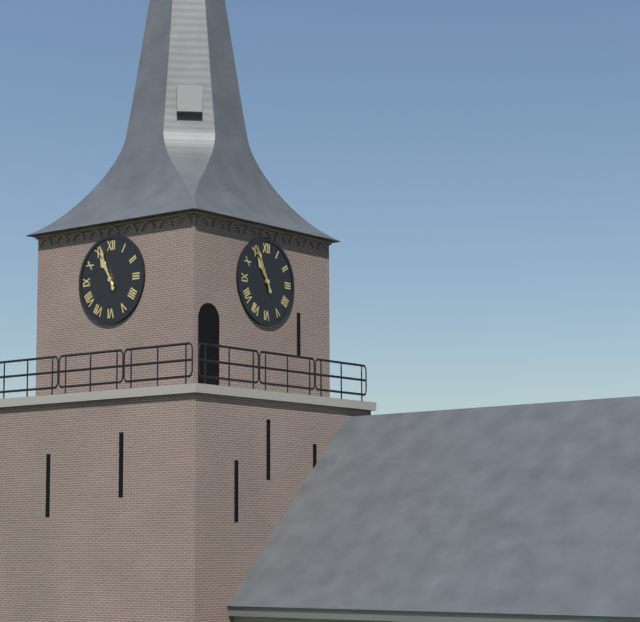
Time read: 10:56
